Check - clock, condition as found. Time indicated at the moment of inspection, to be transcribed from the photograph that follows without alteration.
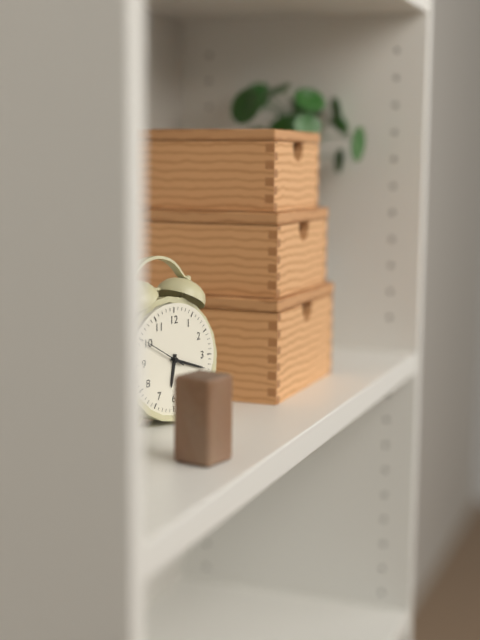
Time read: 6:18
